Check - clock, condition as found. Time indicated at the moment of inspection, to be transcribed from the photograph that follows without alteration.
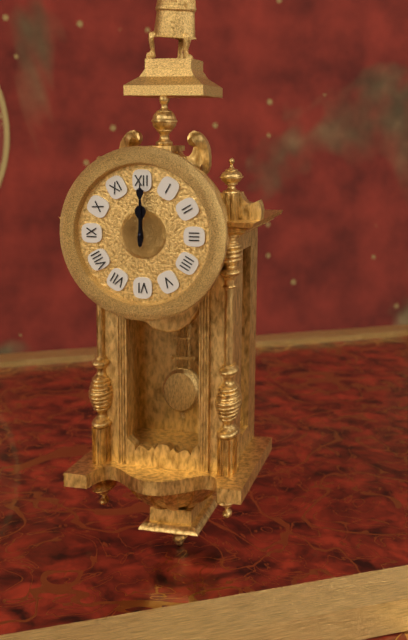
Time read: 12:00
